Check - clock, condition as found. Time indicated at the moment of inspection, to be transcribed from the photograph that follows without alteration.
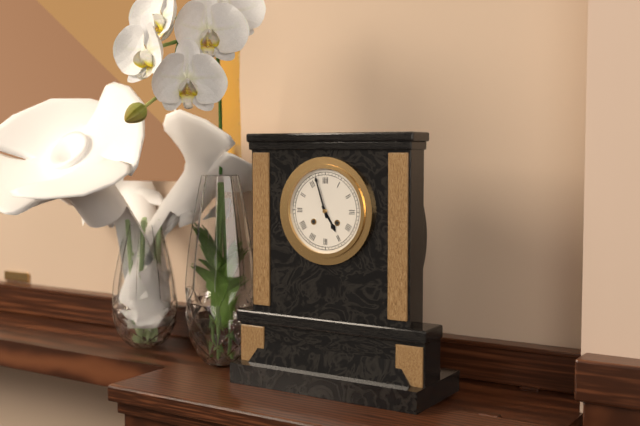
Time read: 4:57
